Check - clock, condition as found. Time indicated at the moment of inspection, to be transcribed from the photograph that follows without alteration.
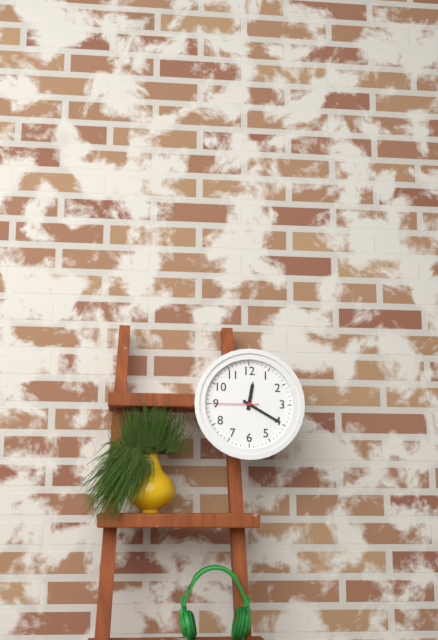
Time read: 12:20
